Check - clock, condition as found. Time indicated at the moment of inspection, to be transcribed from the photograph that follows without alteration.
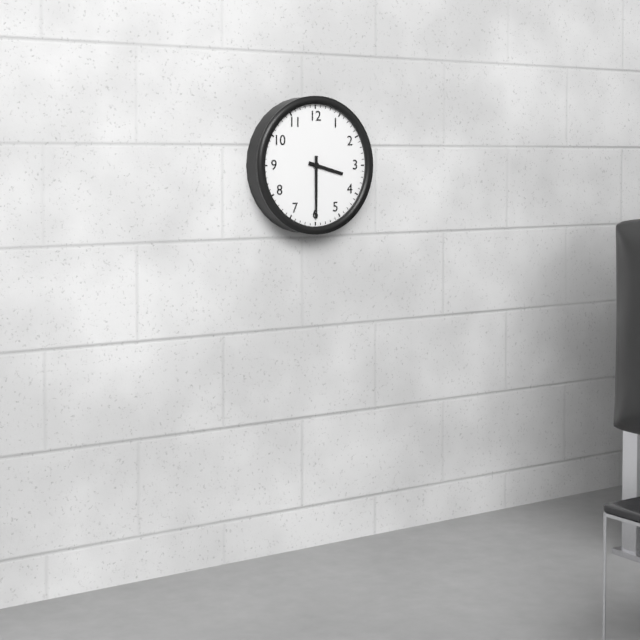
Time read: 3:30
